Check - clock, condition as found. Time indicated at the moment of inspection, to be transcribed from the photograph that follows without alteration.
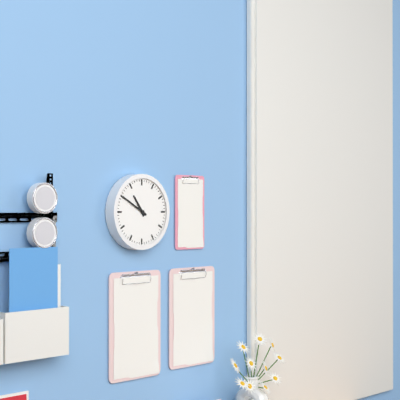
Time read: 10:50
